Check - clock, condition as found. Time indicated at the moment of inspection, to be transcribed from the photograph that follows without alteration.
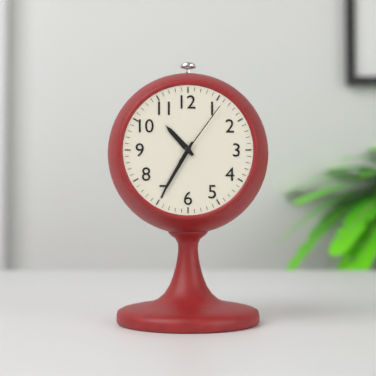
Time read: 10:35:06
